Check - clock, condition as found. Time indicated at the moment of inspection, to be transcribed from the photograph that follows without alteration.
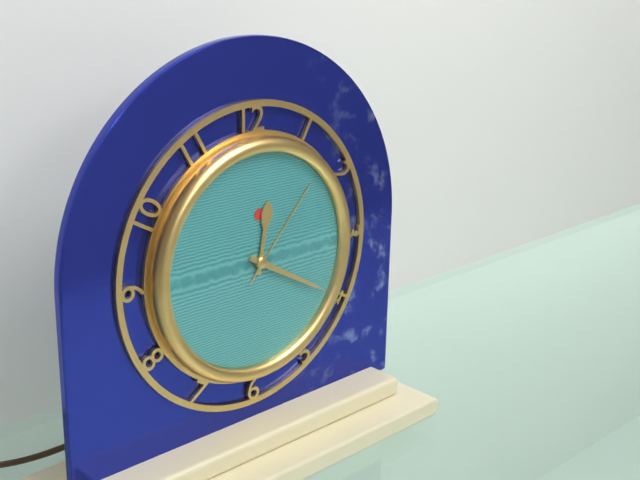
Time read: 12:20:07
